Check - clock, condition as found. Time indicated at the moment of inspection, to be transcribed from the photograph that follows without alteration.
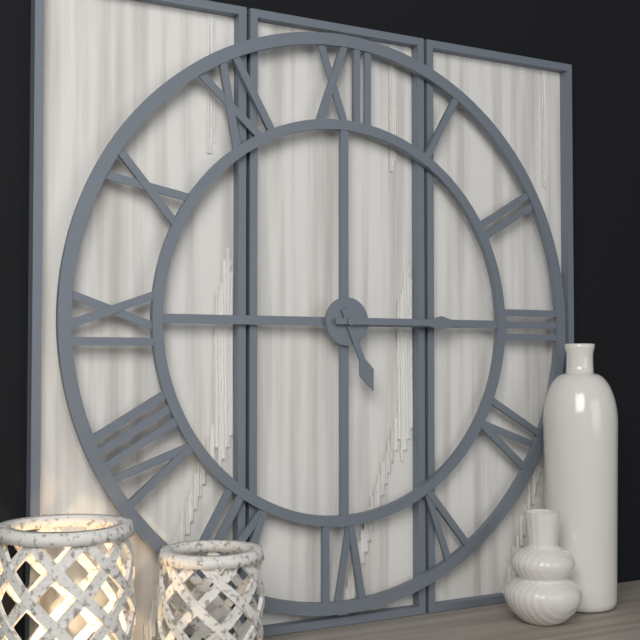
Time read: 5:15
